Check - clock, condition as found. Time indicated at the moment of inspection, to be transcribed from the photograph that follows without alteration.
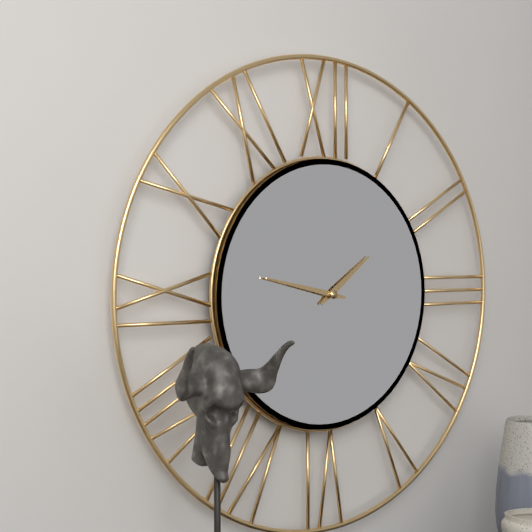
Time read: 1:47
